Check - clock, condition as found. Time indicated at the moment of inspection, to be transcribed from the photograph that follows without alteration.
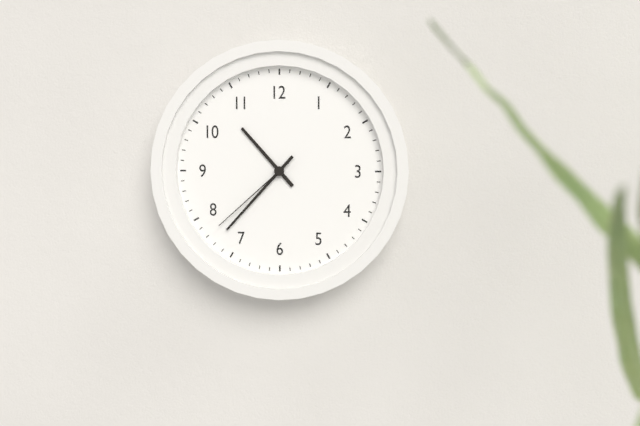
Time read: 10:37:38
